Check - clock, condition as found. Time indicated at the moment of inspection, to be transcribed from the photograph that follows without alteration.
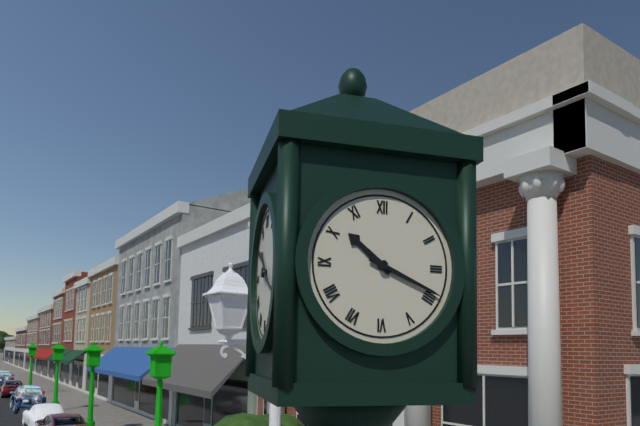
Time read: 10:19
